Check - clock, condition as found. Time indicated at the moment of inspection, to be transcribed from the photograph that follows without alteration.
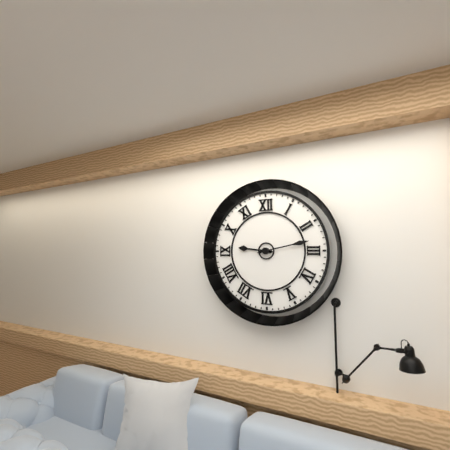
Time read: 9:13
